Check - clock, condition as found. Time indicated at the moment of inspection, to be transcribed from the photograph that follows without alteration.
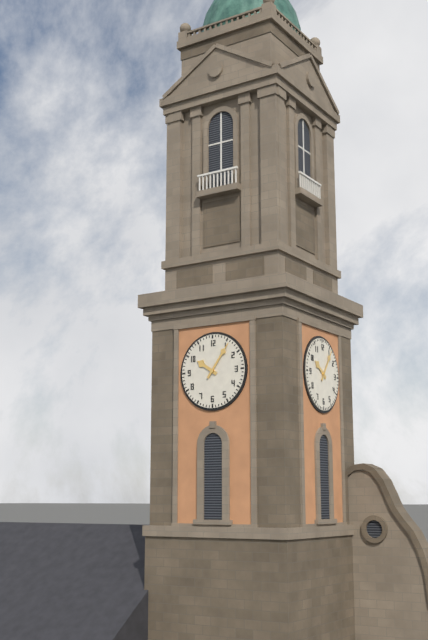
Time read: 10:06
